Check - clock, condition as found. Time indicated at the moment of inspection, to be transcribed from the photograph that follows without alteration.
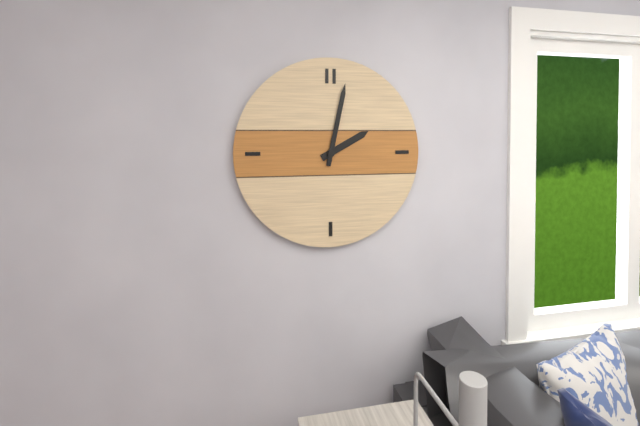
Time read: 2:02
